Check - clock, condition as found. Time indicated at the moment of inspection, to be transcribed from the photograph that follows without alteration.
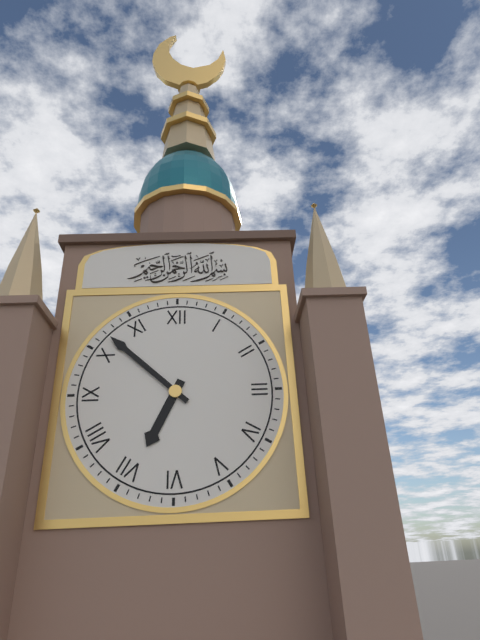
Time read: 6:52
